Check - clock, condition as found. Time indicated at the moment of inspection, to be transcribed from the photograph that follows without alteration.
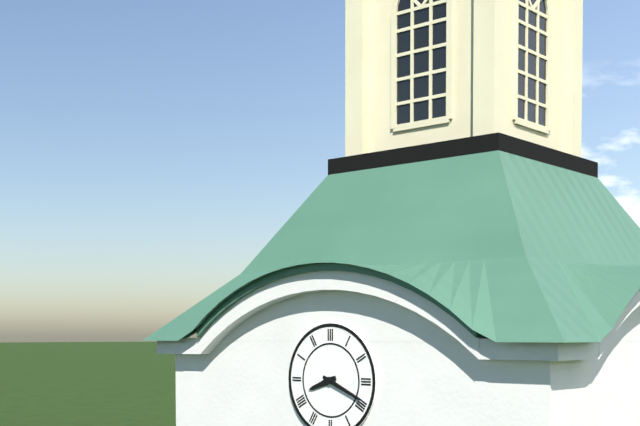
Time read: 8:19
